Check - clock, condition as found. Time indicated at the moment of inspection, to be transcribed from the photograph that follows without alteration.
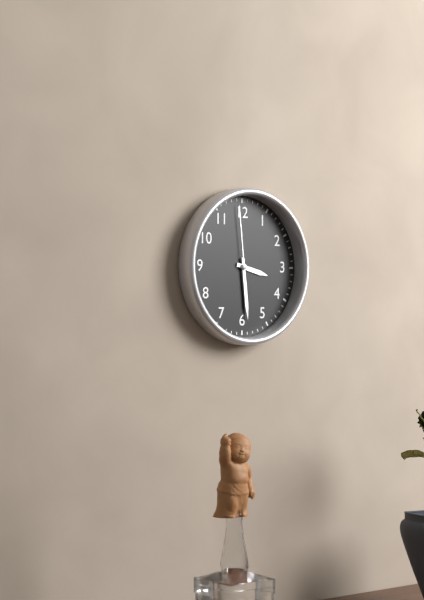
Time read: 3:29:59
